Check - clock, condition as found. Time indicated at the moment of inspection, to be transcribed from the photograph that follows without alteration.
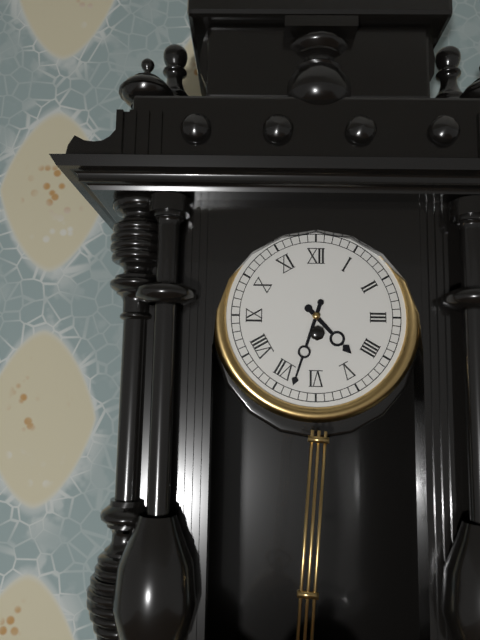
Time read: 4:33
